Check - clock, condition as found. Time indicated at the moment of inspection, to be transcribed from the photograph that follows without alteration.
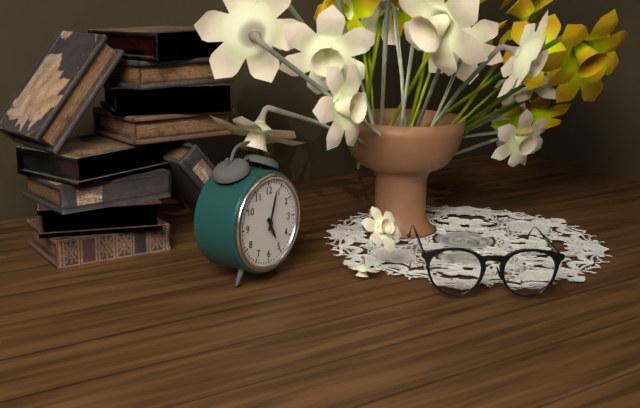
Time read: 5:03
